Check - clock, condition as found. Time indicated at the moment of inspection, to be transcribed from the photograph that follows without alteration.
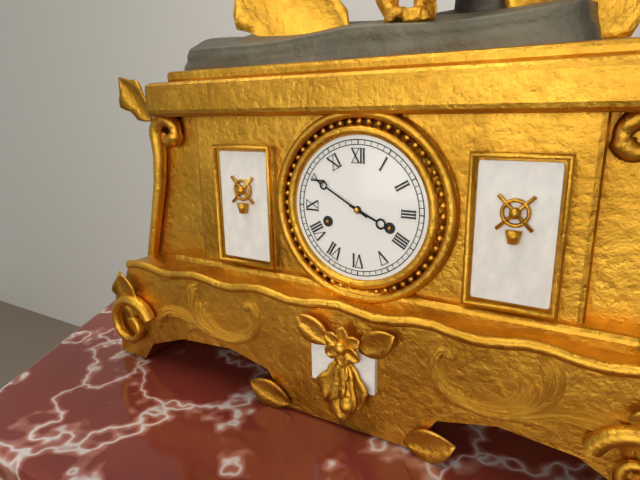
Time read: 3:50
